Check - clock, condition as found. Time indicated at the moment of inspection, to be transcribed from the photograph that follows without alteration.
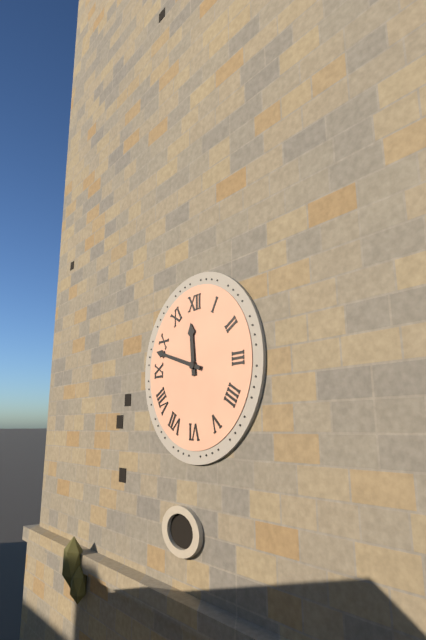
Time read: 11:48
